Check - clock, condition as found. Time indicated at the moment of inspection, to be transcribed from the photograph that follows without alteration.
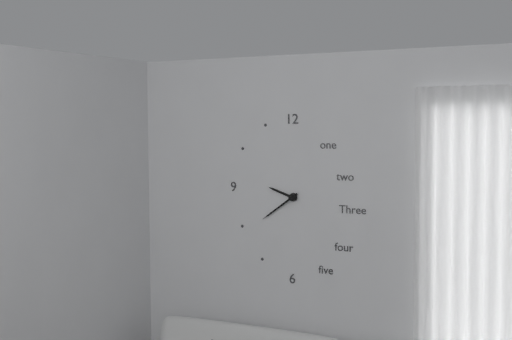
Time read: 9:39
